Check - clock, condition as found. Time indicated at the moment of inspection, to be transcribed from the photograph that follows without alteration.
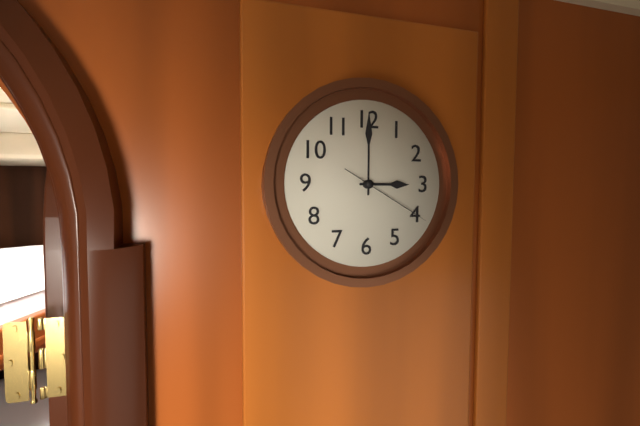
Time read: 3:00:20
